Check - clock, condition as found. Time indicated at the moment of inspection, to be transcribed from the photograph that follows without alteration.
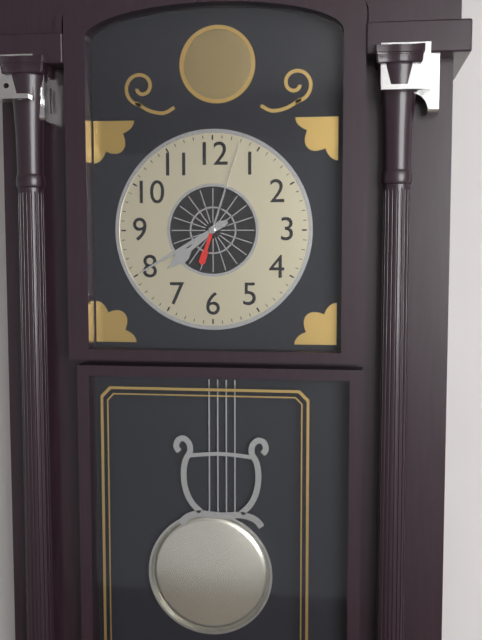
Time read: 7:40:03
